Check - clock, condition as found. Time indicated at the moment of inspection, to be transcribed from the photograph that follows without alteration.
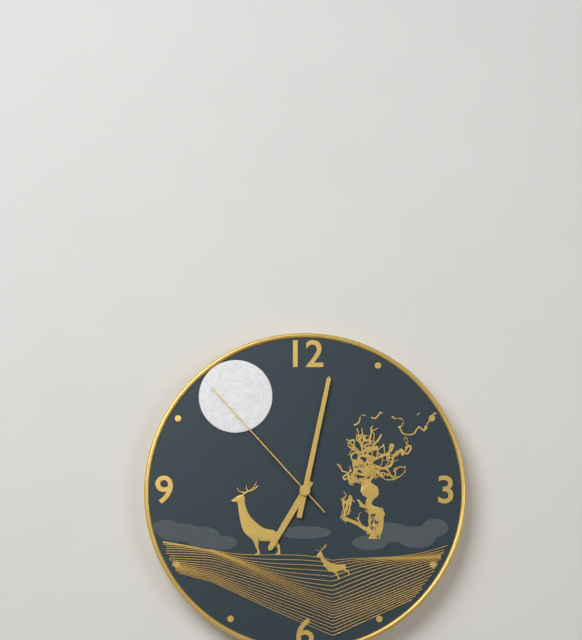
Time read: 7:02:53
